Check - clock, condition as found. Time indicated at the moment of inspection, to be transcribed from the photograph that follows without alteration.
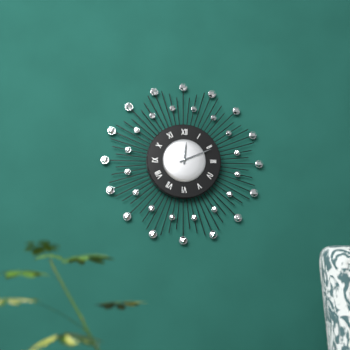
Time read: 12:11
